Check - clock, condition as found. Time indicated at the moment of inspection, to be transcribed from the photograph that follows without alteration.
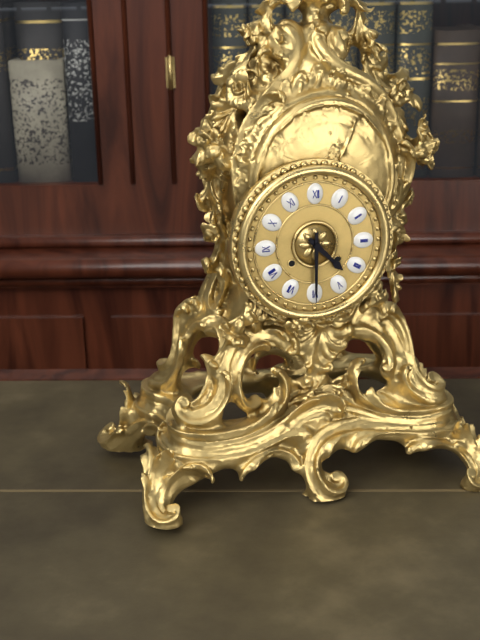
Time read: 4:30
